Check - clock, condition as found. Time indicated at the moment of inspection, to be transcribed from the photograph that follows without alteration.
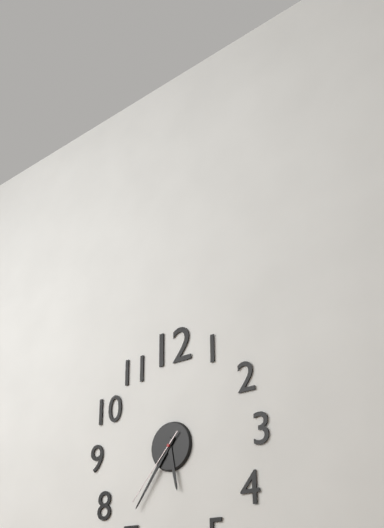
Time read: 5:36:37
